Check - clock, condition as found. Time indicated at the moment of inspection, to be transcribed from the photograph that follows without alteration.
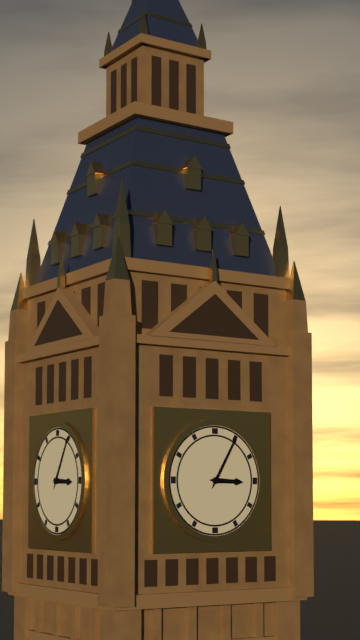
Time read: 3:05
